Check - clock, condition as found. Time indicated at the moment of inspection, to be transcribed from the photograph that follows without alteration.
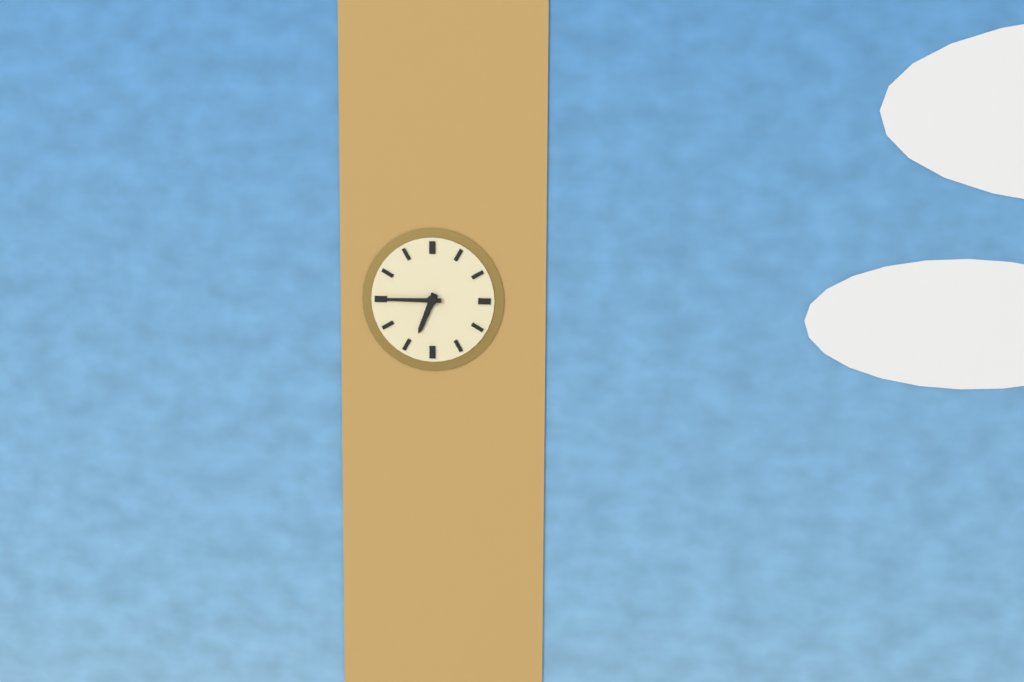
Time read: 6:45
